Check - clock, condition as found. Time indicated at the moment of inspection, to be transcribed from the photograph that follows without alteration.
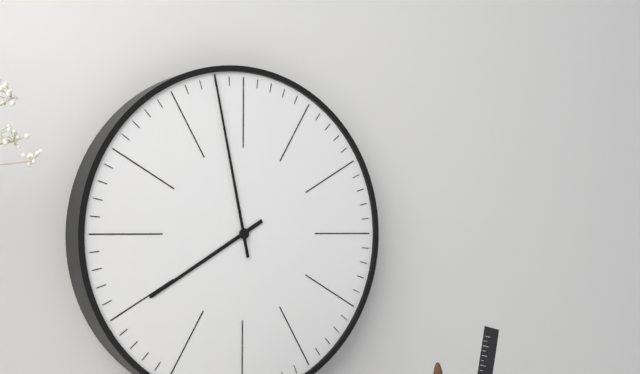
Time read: 7:58
